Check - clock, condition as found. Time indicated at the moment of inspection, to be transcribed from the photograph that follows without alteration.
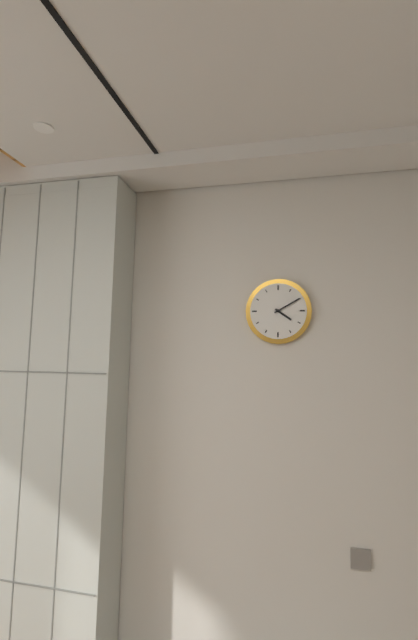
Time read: 4:10
